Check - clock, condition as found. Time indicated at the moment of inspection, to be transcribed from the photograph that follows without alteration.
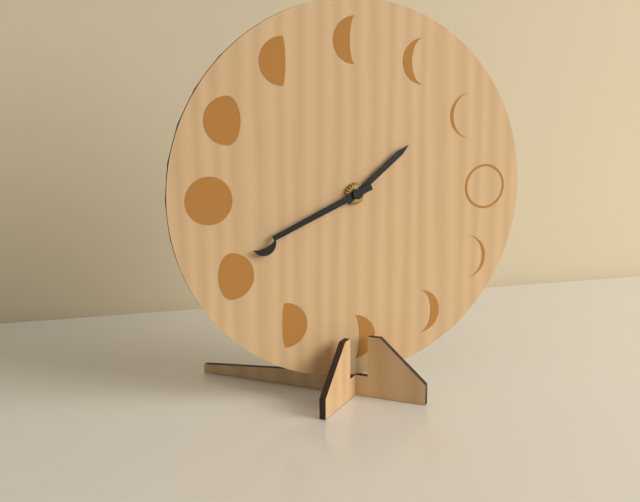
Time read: 1:41
